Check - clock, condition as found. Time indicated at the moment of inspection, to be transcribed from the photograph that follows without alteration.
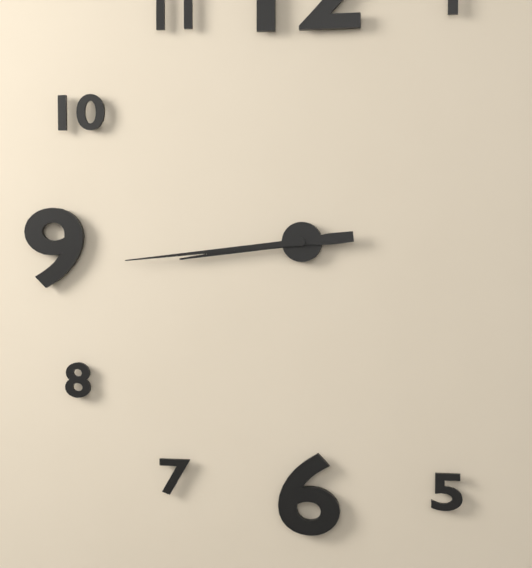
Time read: 8:44
